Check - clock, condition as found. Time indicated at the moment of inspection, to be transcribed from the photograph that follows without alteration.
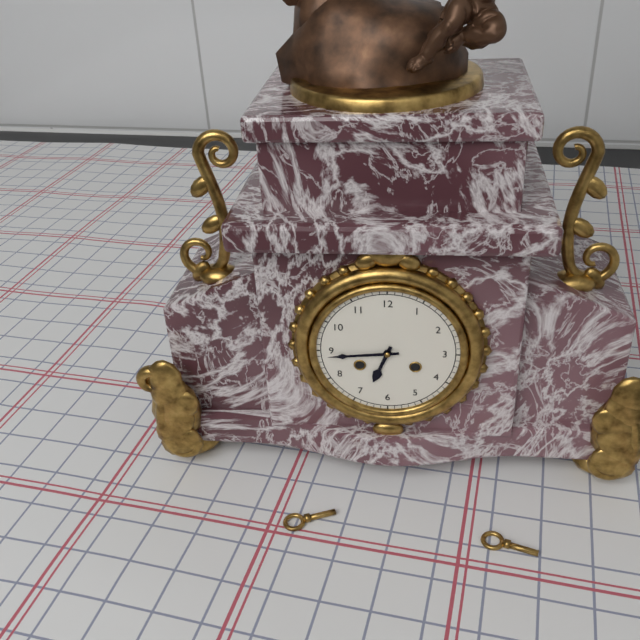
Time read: 6:44
